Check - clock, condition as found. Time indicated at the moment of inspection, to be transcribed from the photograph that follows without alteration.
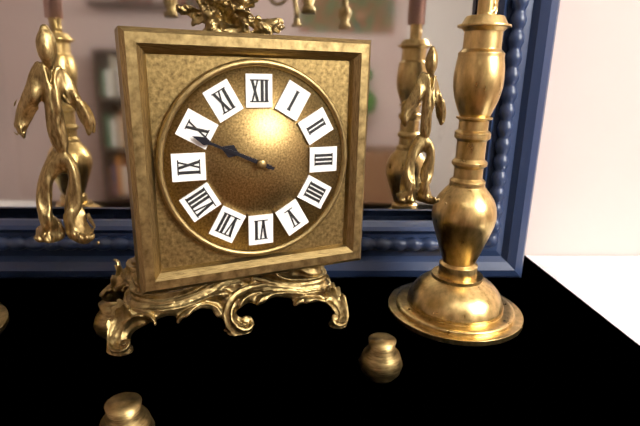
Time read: 9:49
